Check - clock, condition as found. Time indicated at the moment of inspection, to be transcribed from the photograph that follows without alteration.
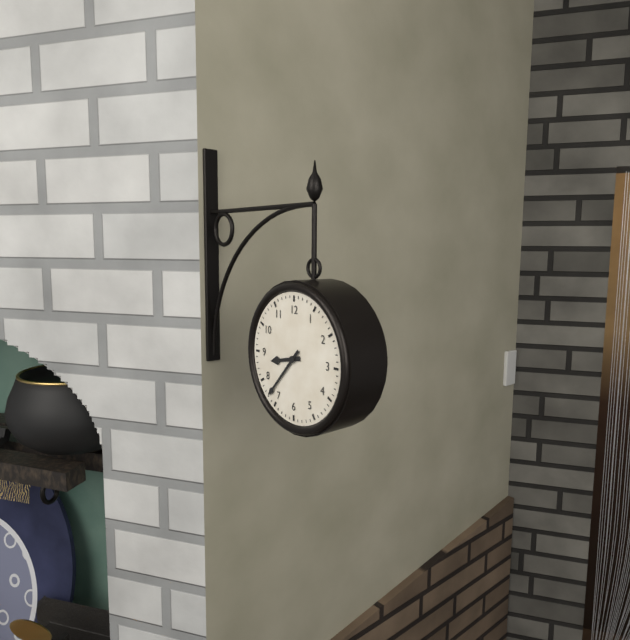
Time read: 8:37
